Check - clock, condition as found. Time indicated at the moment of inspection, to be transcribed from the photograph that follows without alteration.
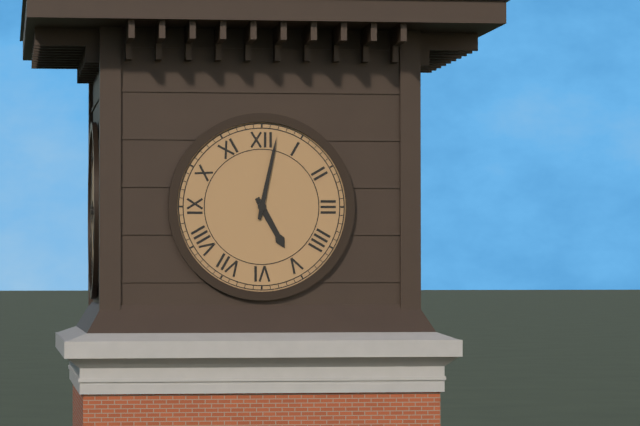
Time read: 5:02
